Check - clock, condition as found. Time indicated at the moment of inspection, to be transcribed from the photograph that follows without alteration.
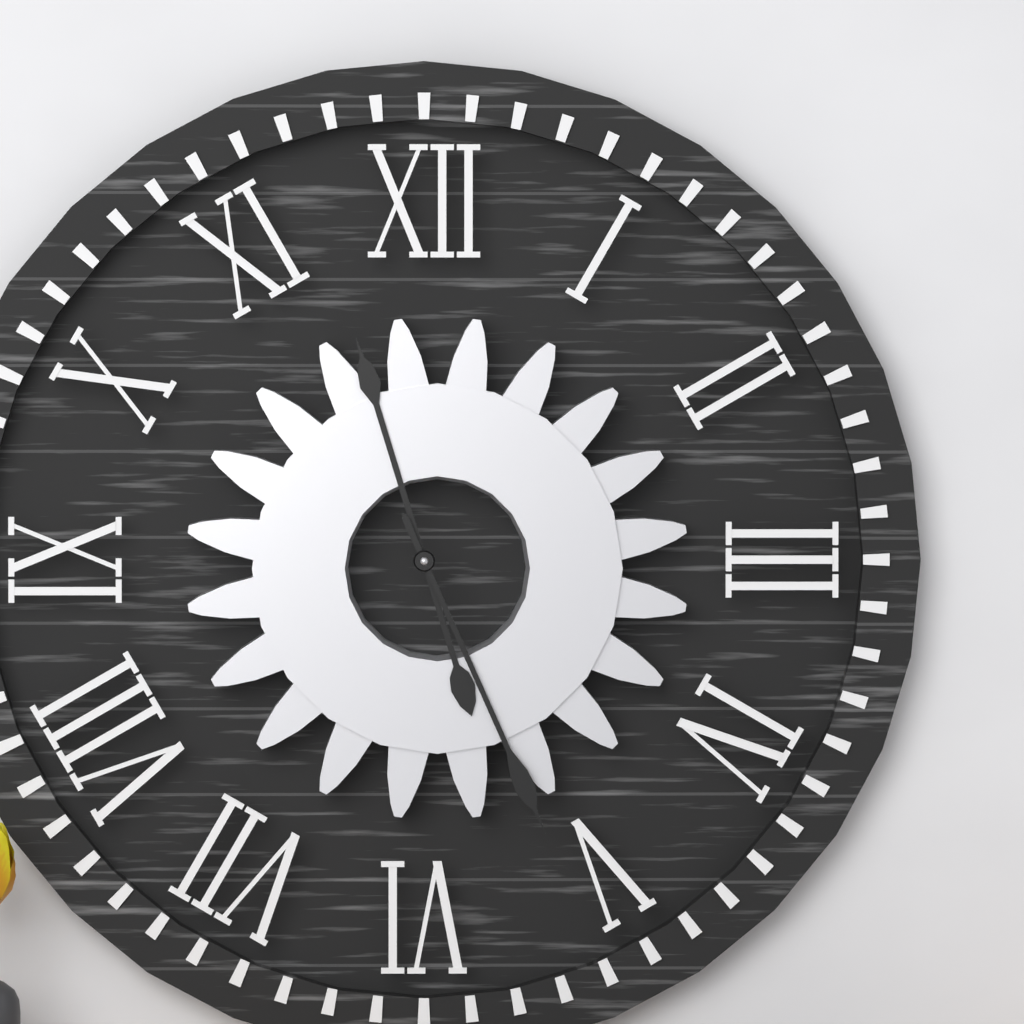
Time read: 11:26
